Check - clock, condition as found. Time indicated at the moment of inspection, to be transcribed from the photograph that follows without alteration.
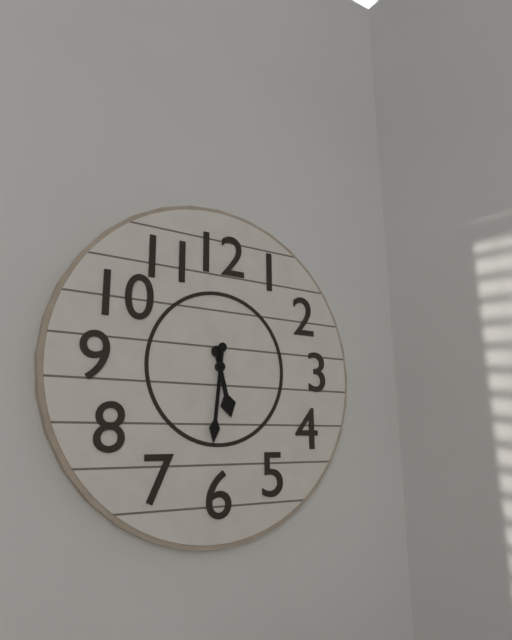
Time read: 5:31
